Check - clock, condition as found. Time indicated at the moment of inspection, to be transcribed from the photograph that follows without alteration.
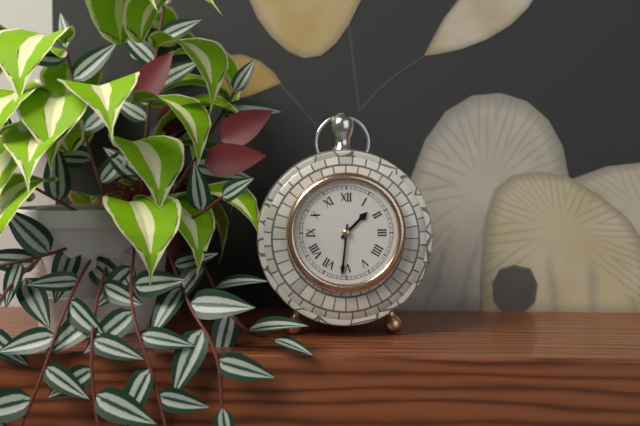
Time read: 1:31
